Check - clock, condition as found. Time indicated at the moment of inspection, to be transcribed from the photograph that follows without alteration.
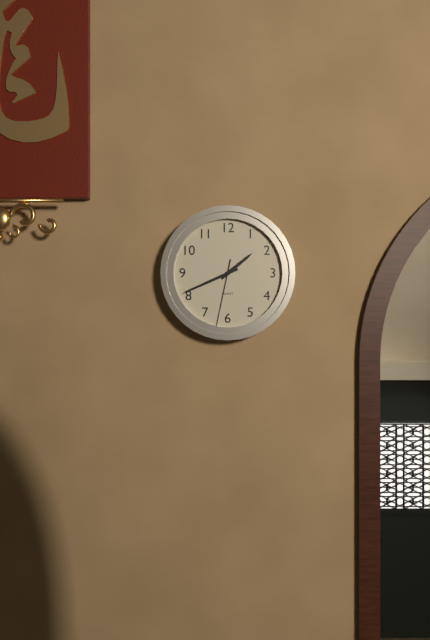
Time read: 1:41:32
